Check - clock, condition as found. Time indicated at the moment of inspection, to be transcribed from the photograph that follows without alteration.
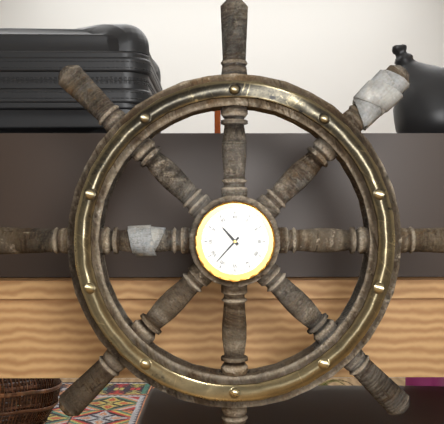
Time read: 10:37
